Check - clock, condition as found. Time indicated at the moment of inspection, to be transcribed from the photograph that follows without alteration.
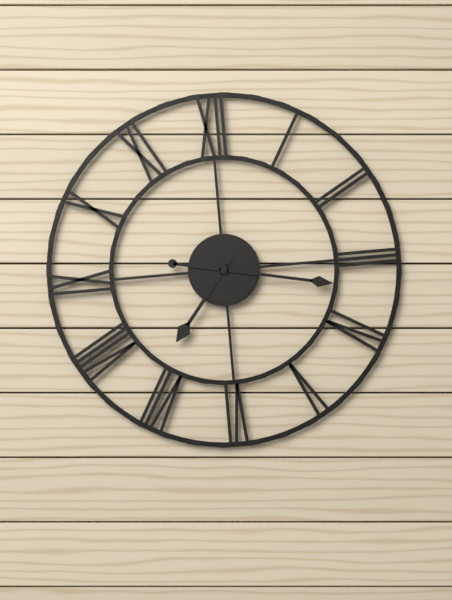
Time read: 7:17
